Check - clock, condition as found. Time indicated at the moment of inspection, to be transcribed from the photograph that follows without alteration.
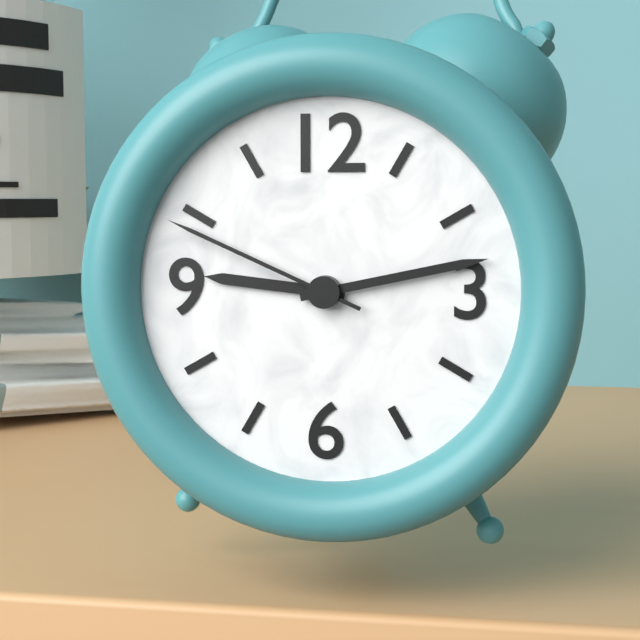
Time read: 9:13:49
